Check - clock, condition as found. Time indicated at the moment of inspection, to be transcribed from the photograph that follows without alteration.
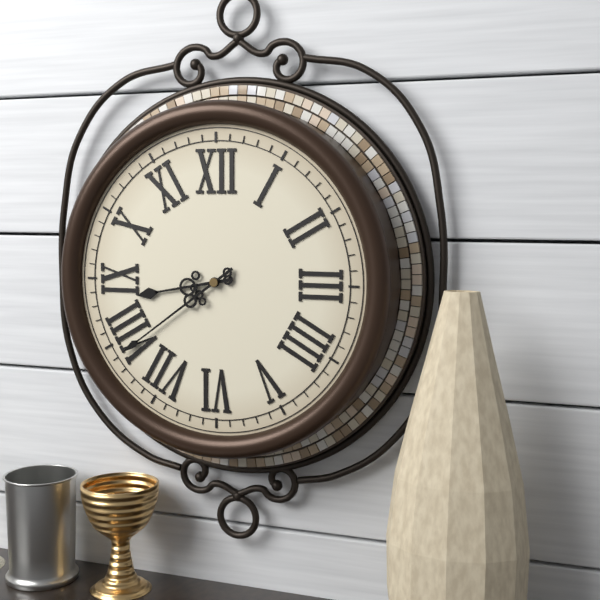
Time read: 8:39
